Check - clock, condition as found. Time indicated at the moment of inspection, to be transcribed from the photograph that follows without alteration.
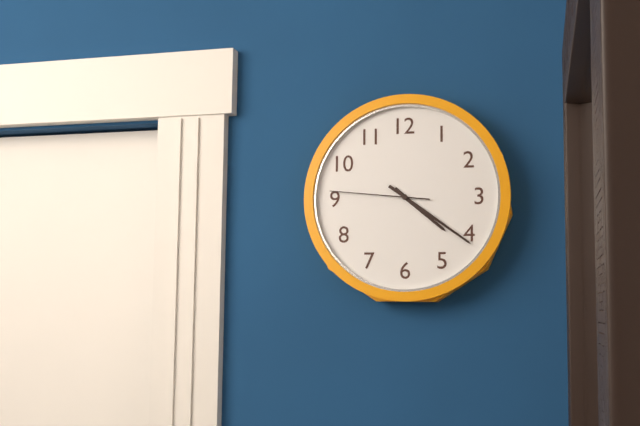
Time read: 4:21:46
